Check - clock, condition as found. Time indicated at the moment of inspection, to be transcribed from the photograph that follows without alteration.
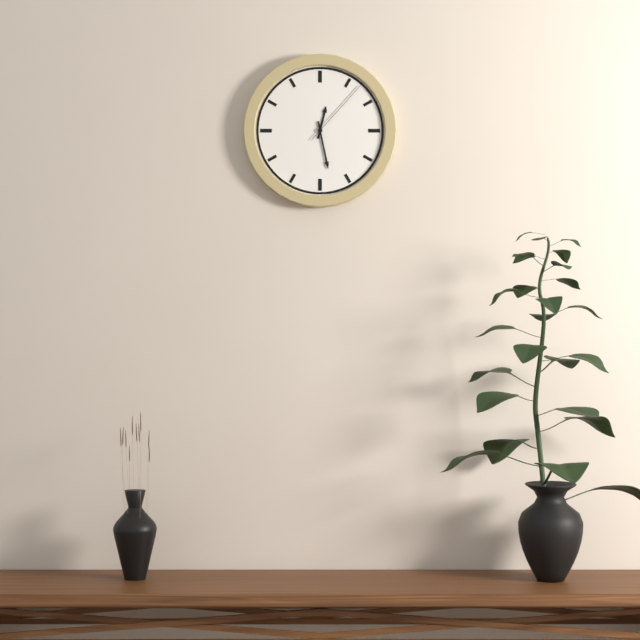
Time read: 12:28:07
